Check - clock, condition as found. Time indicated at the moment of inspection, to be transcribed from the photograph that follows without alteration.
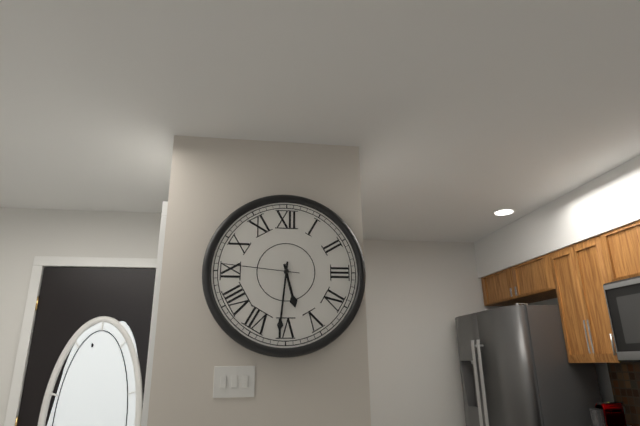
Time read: 5:31:46
